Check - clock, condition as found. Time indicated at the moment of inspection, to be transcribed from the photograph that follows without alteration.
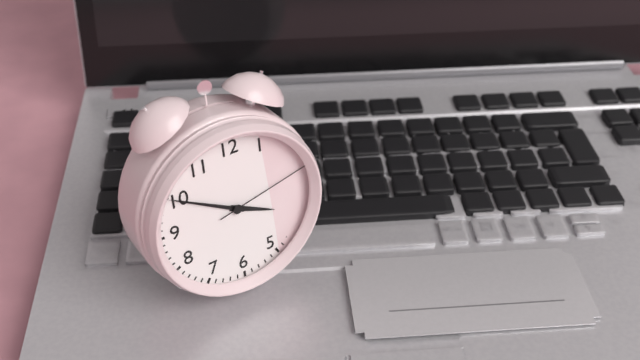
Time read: 3:50:13
